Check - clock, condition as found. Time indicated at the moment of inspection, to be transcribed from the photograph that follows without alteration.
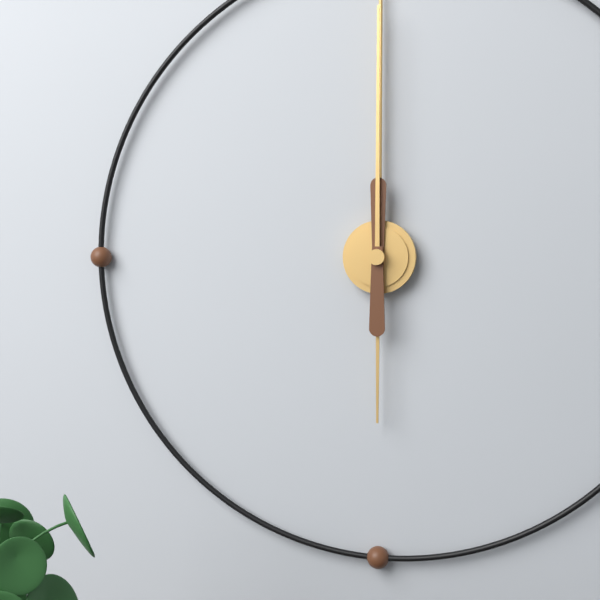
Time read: 6:00
